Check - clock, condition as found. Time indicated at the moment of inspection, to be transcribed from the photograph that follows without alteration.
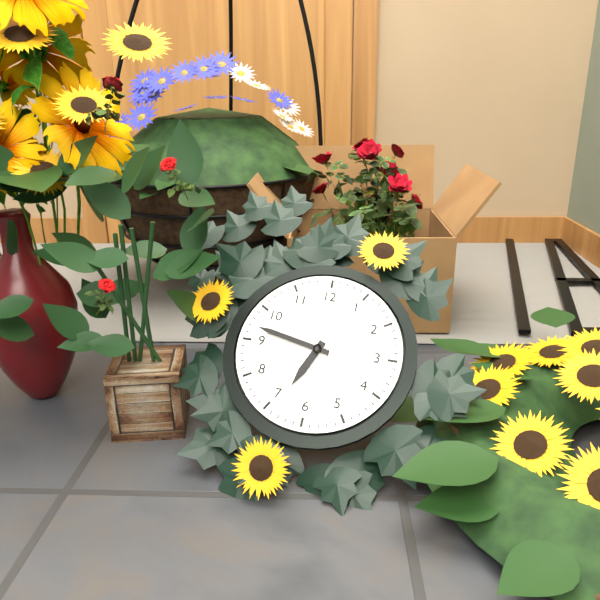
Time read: 6:47
